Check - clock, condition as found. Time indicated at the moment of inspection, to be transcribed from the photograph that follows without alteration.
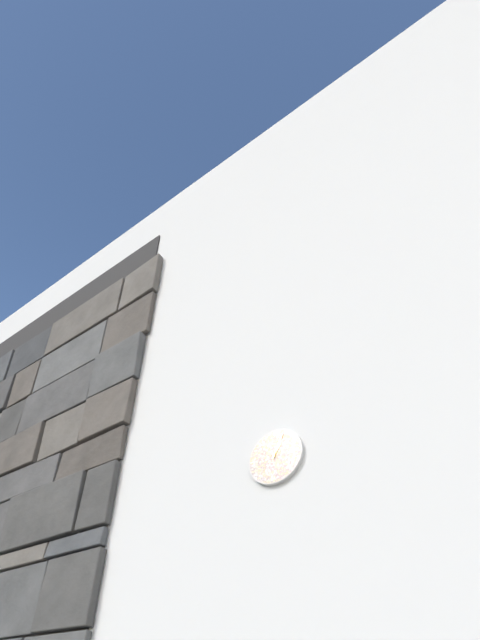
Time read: 1:04
